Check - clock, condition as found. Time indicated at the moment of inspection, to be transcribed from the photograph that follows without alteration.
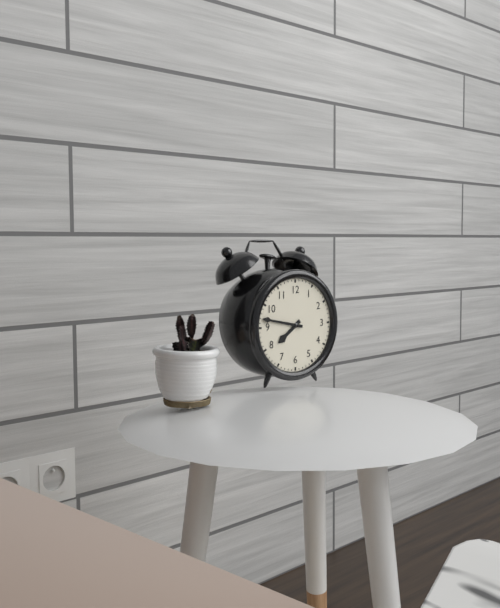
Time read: 7:47
